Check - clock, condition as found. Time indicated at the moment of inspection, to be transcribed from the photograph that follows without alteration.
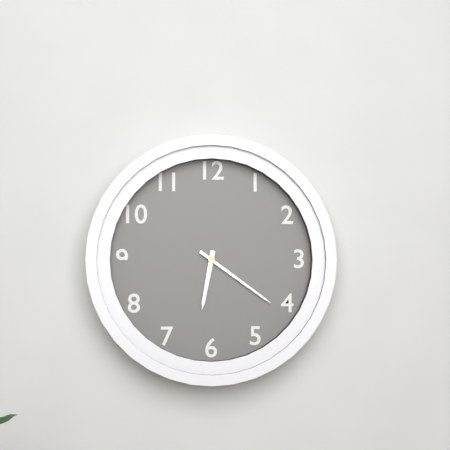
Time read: 6:21
